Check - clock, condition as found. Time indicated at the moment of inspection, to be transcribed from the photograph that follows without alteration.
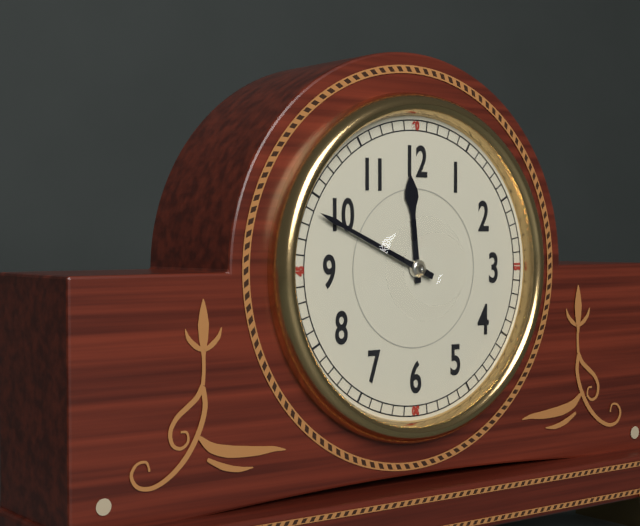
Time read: 11:49
